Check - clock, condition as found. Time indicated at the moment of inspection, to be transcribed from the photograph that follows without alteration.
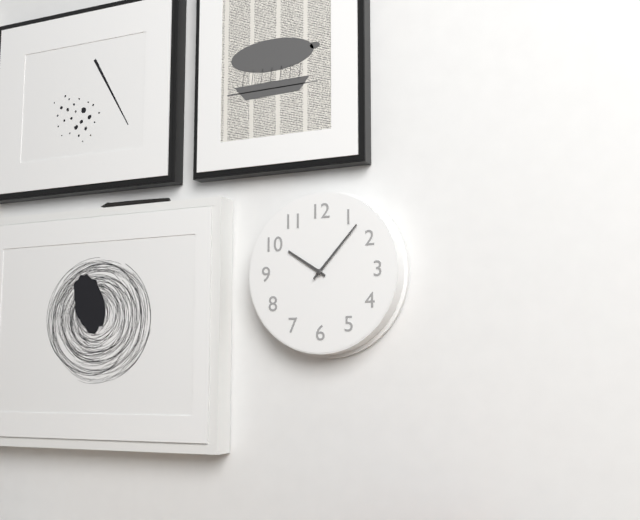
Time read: 10:07
